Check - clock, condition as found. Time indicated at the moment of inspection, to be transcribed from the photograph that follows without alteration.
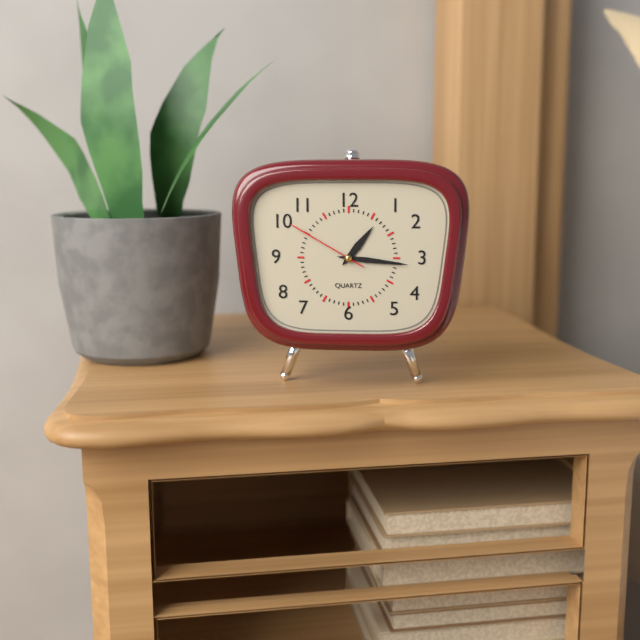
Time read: 1:16:50
